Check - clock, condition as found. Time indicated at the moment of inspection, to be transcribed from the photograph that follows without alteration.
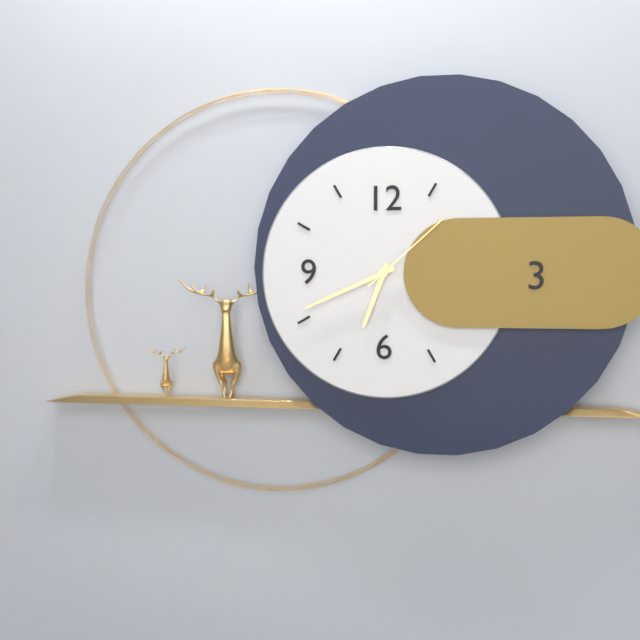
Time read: 6:41:08
